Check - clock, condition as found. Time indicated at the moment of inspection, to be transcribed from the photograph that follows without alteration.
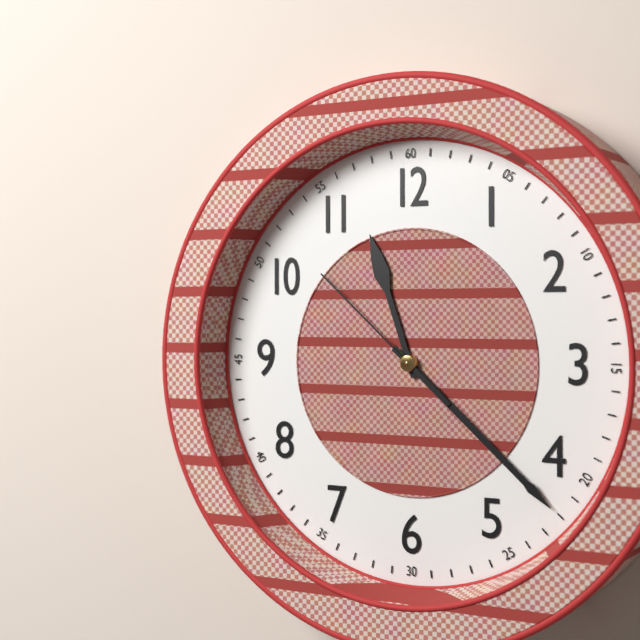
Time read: 11:22:52
